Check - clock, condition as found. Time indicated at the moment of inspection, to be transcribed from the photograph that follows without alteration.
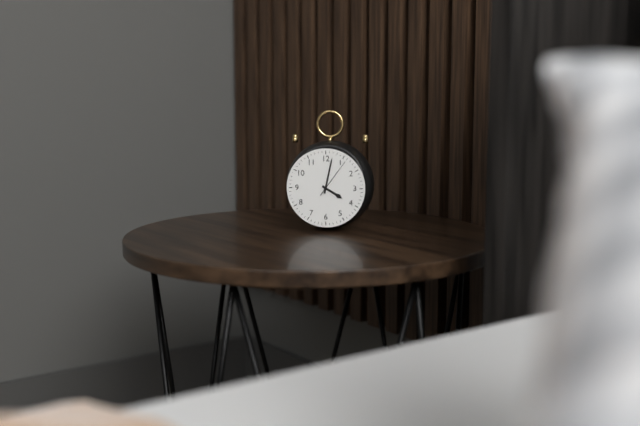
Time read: 4:02
